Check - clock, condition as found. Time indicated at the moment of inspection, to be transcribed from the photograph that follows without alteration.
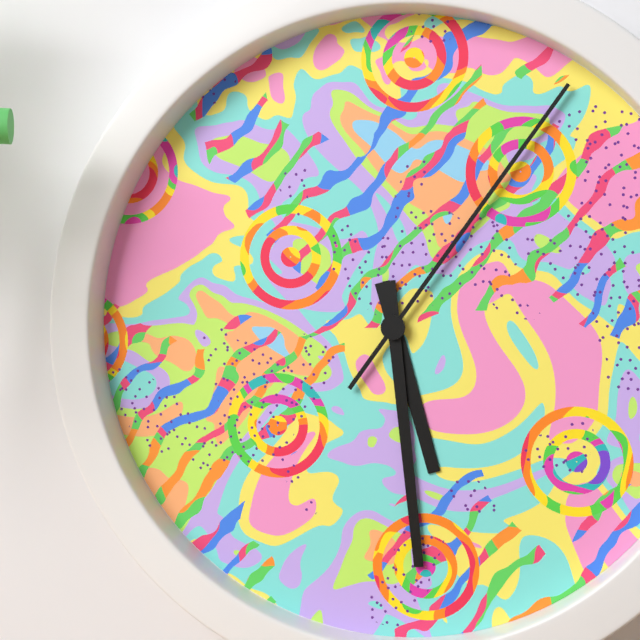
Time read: 5:29:06
